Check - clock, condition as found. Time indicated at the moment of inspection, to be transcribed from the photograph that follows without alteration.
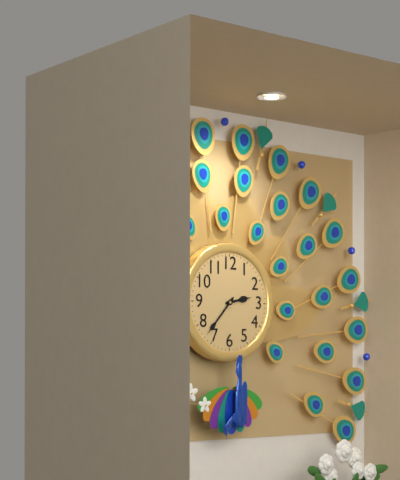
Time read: 2:37
